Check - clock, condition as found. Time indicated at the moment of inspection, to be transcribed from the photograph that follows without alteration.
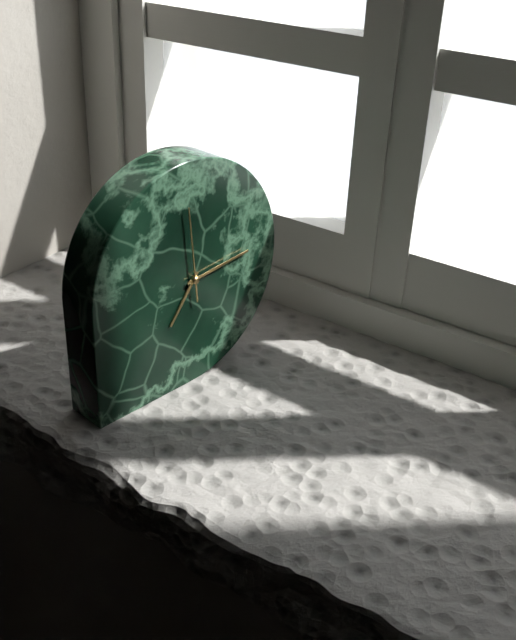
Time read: 7:14:59
